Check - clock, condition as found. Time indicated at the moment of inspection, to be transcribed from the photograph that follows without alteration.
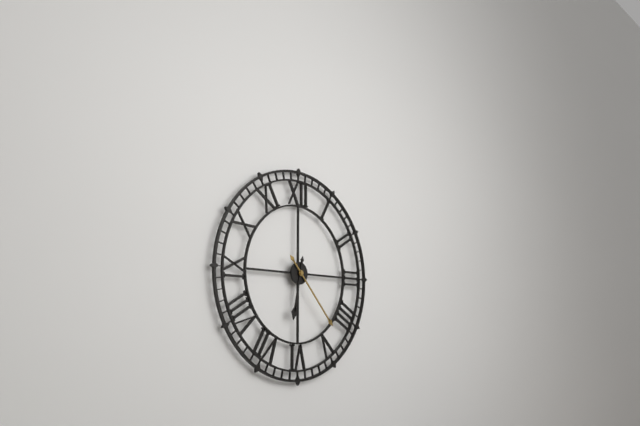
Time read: 6:23
